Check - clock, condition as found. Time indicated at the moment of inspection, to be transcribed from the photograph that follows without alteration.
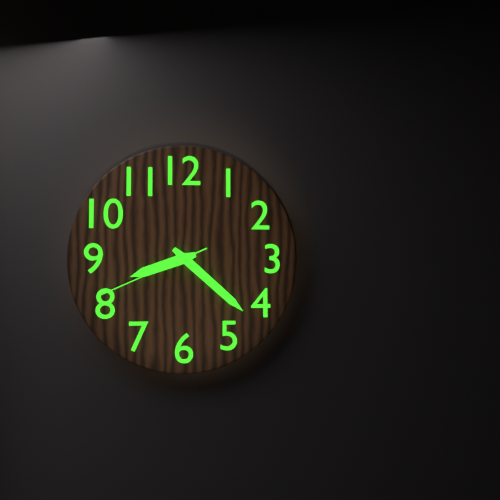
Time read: 8:22:41
